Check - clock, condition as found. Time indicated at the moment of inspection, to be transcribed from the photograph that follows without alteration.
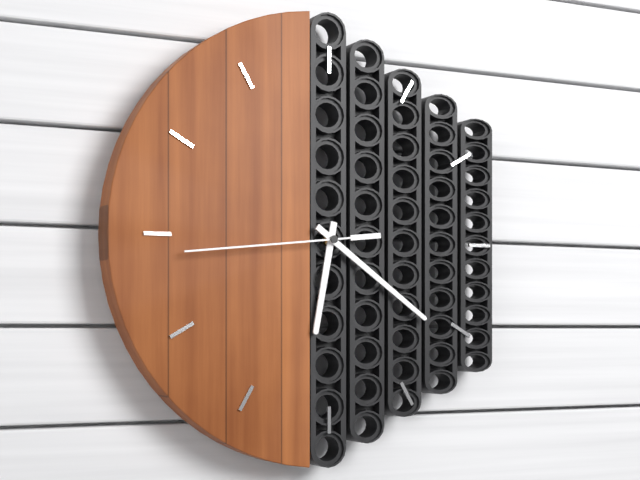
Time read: 6:21:44
